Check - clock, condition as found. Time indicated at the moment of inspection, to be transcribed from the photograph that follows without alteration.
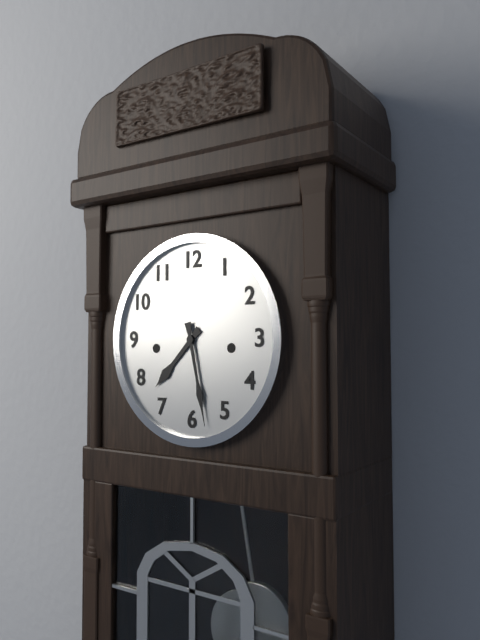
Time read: 7:28
